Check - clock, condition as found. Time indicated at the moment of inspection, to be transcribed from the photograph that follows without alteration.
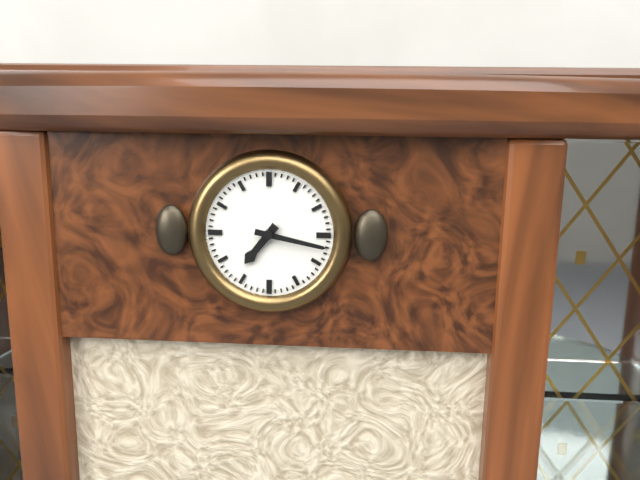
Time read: 7:17
